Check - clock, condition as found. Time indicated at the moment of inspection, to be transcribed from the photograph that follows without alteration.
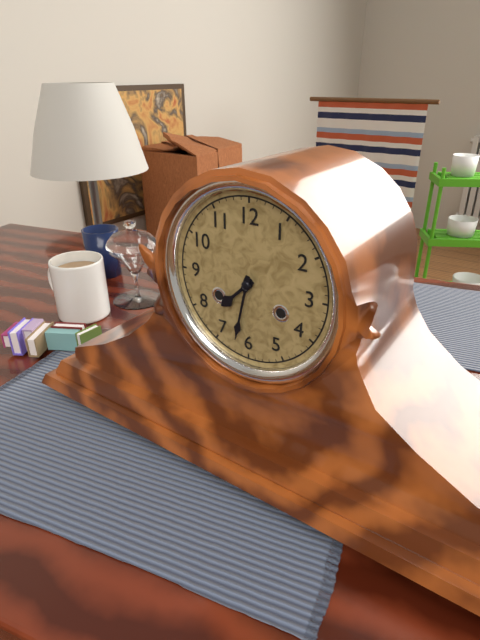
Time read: 7:32
